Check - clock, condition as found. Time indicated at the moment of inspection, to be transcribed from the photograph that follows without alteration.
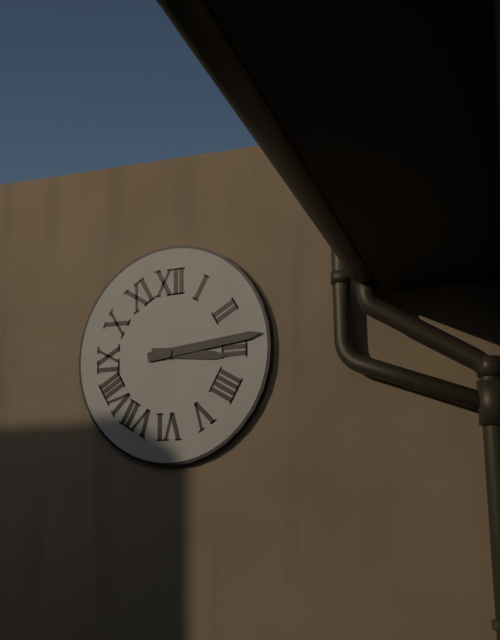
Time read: 3:14
